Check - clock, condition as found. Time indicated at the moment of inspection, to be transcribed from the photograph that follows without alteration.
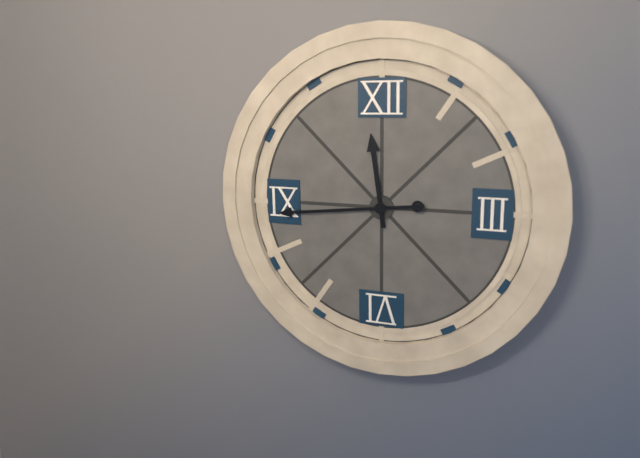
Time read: 11:44
